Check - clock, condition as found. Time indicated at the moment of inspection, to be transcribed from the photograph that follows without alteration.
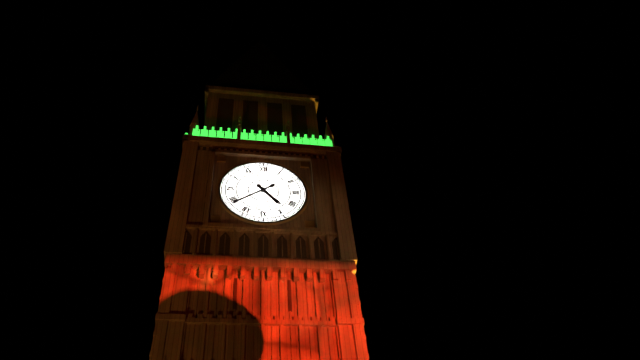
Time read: 4:39
